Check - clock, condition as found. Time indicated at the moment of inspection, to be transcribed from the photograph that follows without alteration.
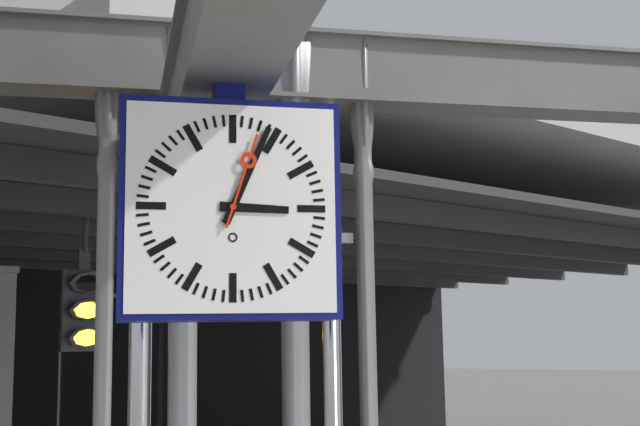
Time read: 3:04:03
